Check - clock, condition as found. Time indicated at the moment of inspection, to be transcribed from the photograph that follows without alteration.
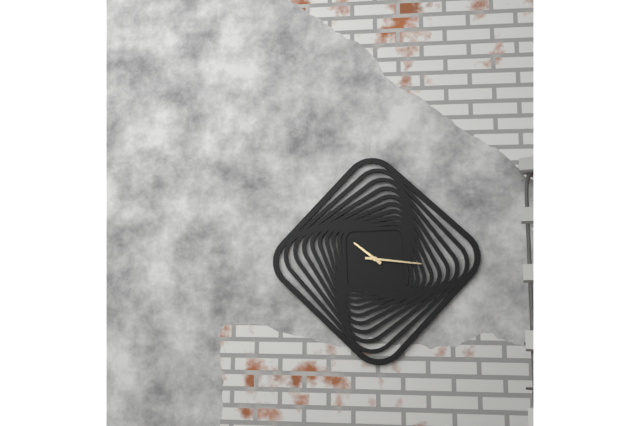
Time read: 10:16
